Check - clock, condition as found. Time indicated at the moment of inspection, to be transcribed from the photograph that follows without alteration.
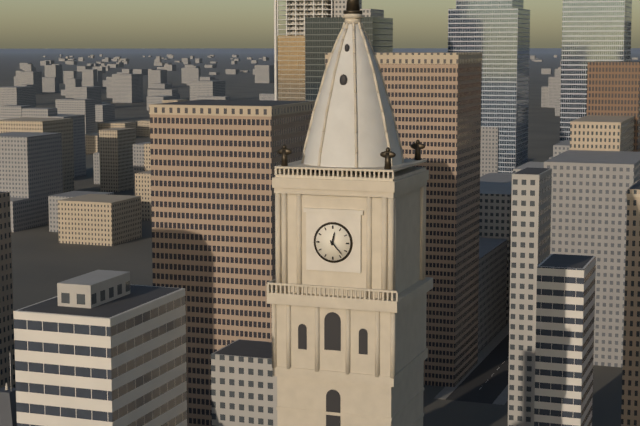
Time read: 12:23
